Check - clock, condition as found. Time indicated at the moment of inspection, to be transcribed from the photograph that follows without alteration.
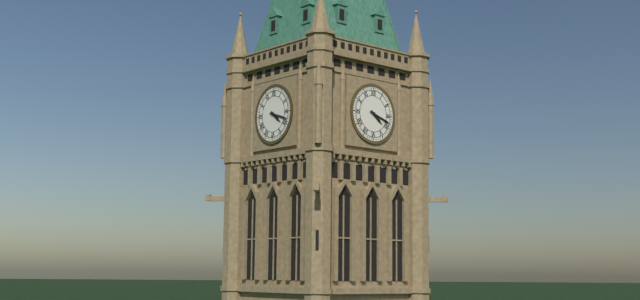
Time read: 4:18
